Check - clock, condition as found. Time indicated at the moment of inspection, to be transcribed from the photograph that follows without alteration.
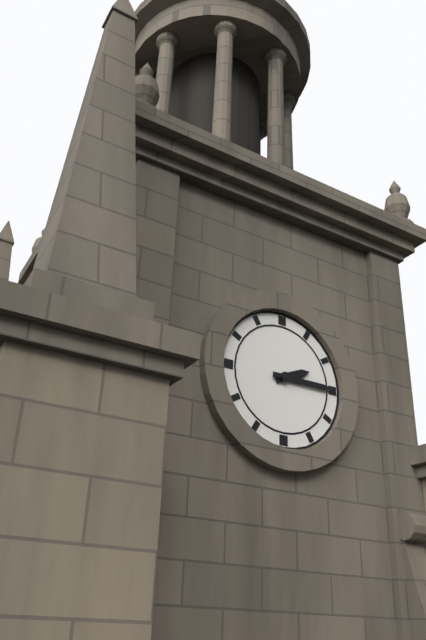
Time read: 2:15
